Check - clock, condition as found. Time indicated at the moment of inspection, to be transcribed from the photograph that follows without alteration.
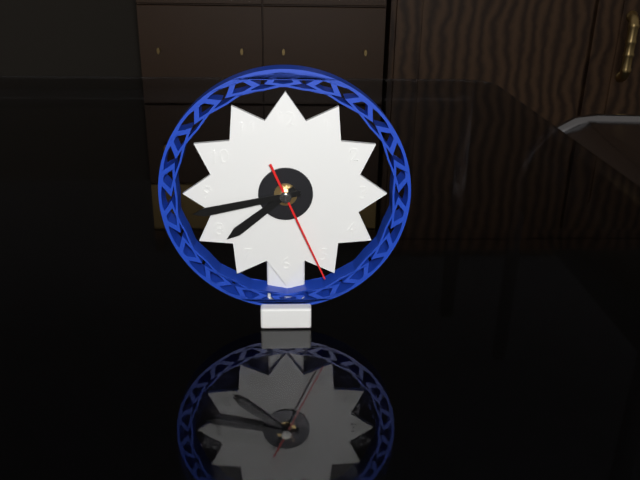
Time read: 7:43:26
